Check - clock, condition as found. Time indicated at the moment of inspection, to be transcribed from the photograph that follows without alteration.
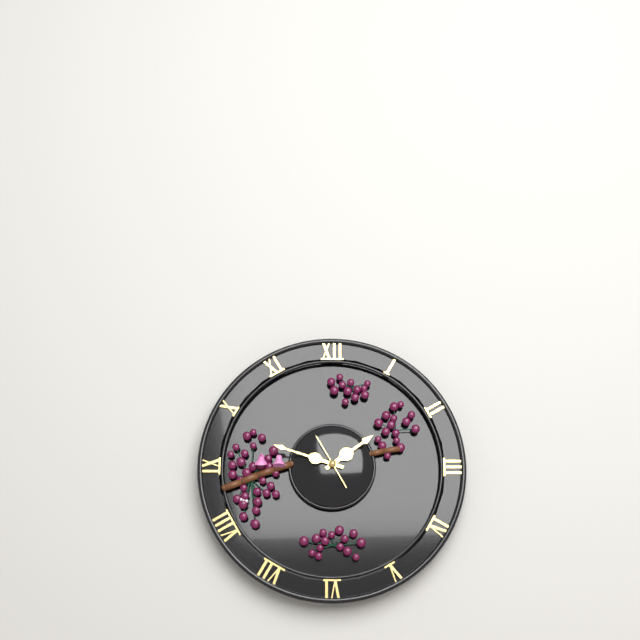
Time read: 1:48
